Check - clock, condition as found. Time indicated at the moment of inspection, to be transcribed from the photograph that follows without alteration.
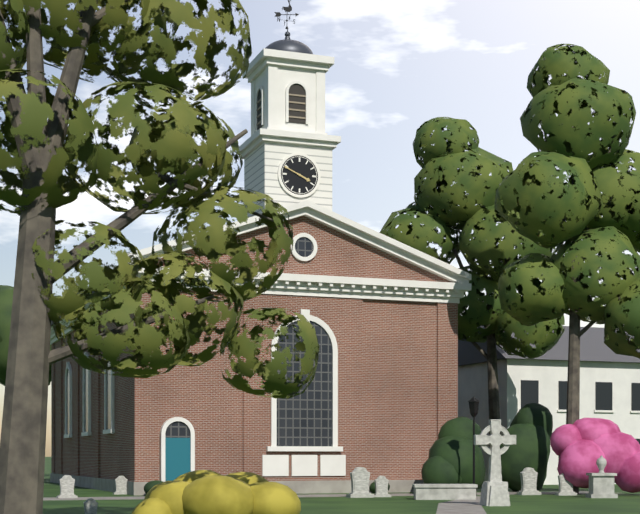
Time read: 3:49
